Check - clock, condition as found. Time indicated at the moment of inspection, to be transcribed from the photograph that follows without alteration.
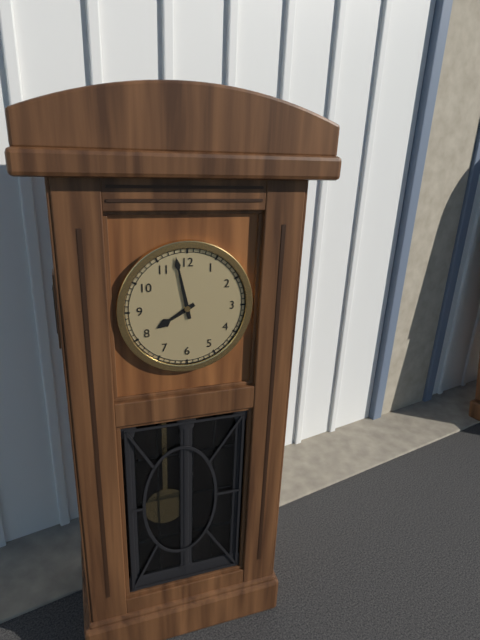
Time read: 7:58
